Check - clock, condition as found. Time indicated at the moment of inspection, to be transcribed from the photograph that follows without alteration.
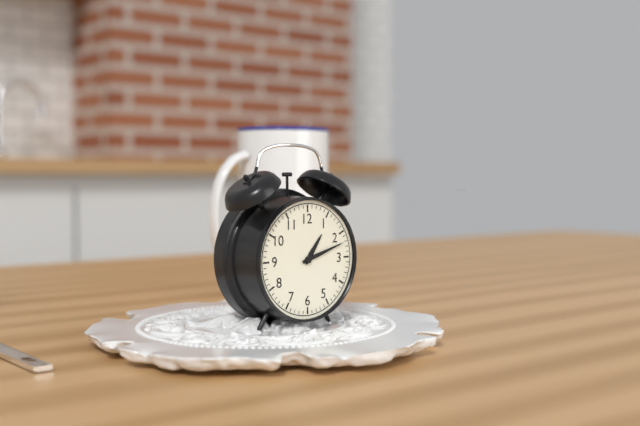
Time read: 1:12
